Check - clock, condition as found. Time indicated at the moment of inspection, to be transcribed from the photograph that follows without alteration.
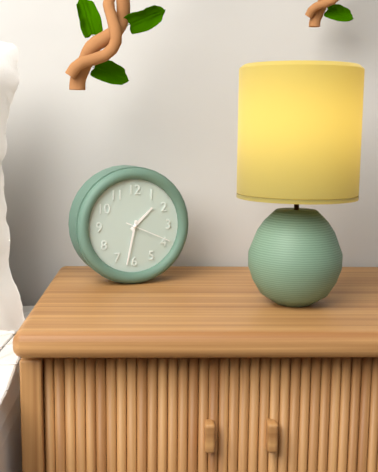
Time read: 1:32
